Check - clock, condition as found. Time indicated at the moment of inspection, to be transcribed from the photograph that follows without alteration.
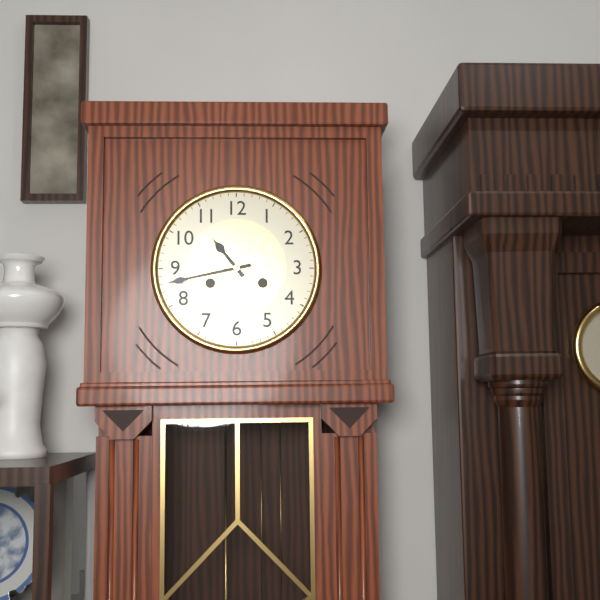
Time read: 10:43
